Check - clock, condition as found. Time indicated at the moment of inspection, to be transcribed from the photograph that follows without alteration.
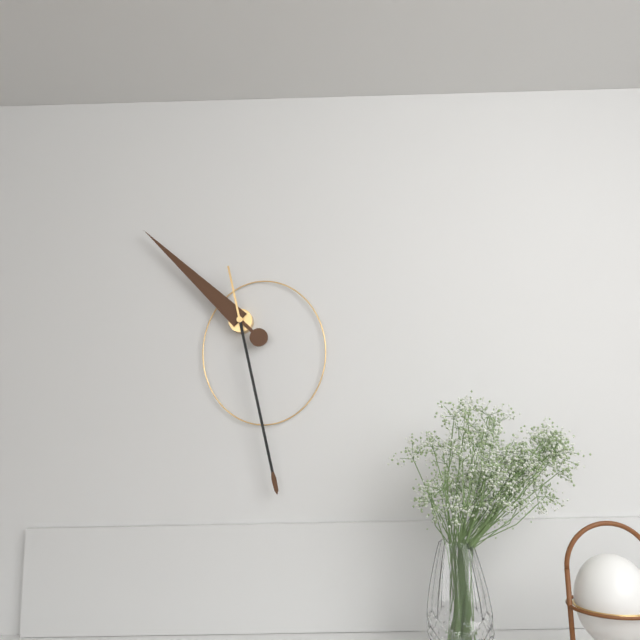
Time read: 10:28
